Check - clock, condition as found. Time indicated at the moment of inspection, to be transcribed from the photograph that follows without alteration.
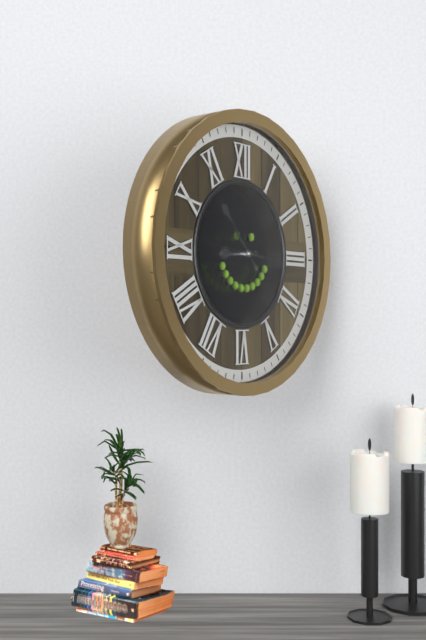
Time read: 8:53:46
